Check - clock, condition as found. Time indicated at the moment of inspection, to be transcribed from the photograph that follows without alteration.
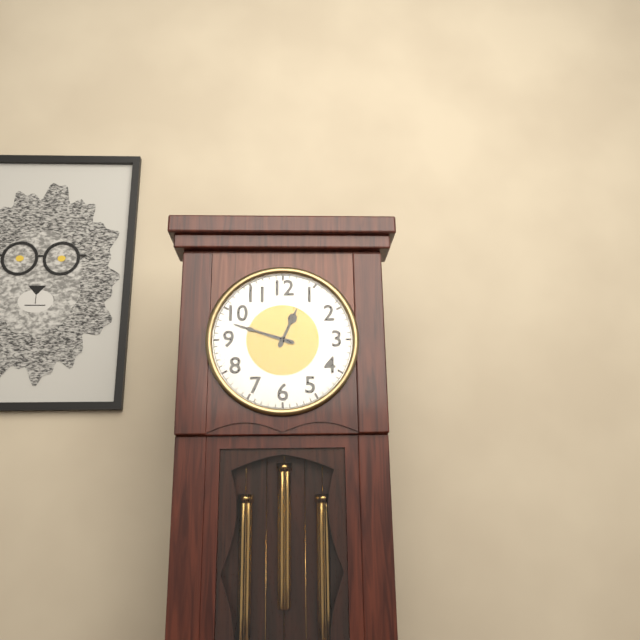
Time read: 12:48
